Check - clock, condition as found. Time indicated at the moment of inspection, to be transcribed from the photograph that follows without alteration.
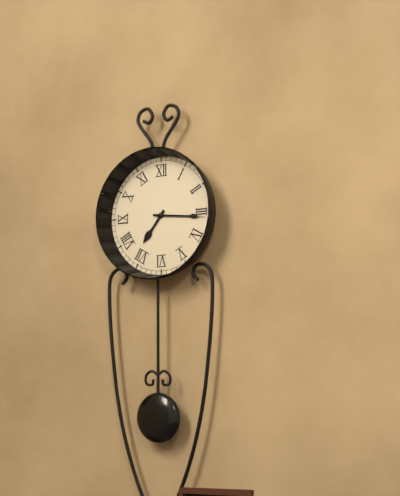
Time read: 7:16
